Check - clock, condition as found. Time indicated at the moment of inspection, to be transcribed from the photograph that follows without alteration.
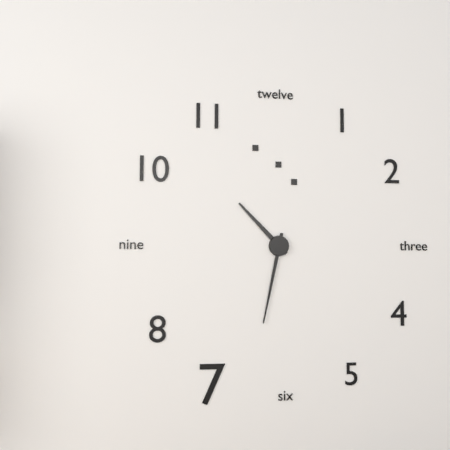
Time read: 10:32
